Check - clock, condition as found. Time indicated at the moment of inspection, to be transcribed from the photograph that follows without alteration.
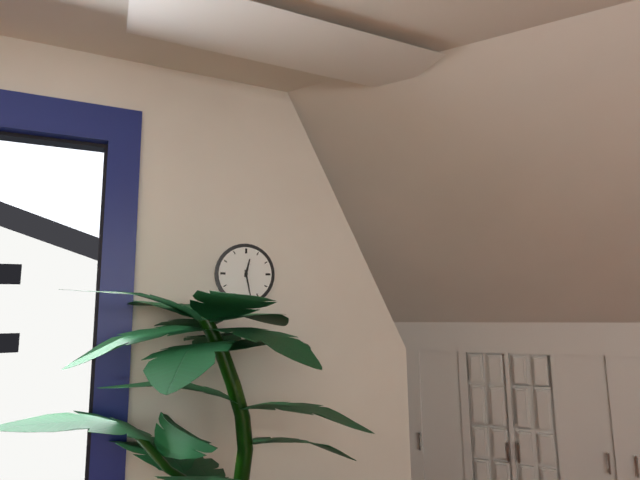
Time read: 12:28
